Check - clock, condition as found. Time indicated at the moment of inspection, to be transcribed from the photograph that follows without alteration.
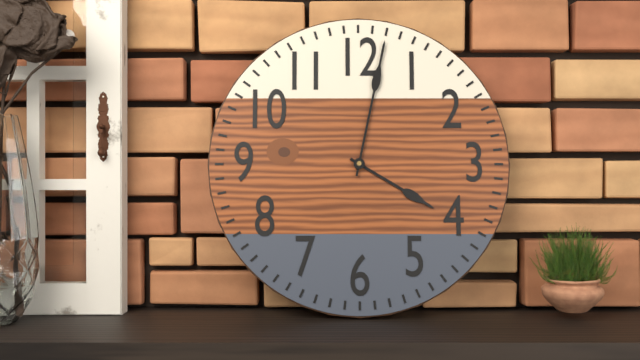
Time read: 4:02
